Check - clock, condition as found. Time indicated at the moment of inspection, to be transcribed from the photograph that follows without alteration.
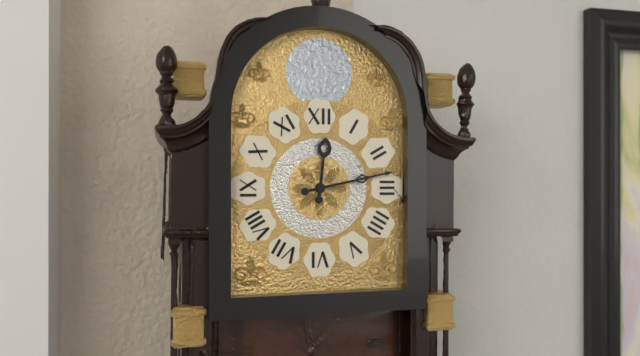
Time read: 12:13
